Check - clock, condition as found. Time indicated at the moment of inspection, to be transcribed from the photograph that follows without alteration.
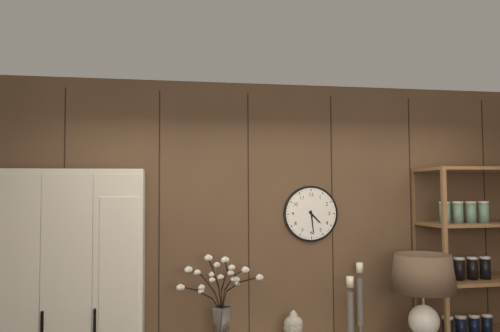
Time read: 4:29
